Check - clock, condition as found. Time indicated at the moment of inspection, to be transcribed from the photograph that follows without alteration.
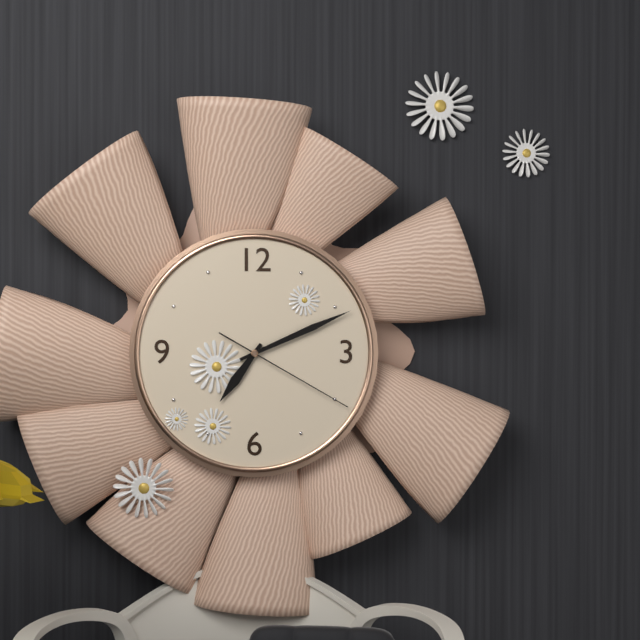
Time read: 7:11:20
